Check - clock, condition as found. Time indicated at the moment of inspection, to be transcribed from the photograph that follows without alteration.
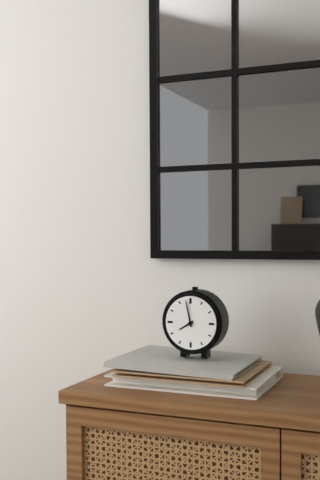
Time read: 7:58
